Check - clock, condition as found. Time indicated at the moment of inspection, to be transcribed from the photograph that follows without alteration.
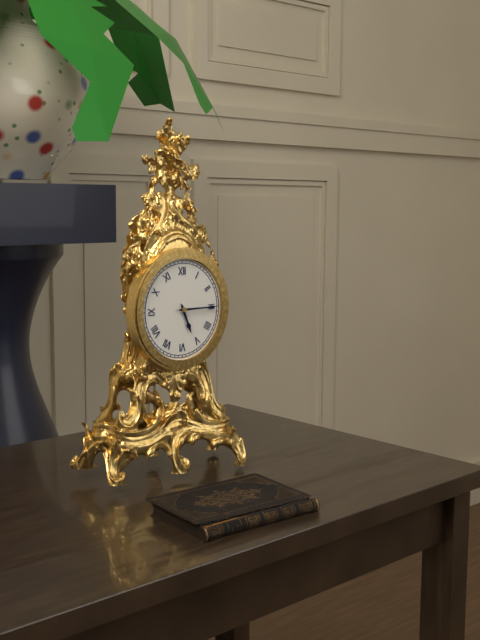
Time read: 5:15
